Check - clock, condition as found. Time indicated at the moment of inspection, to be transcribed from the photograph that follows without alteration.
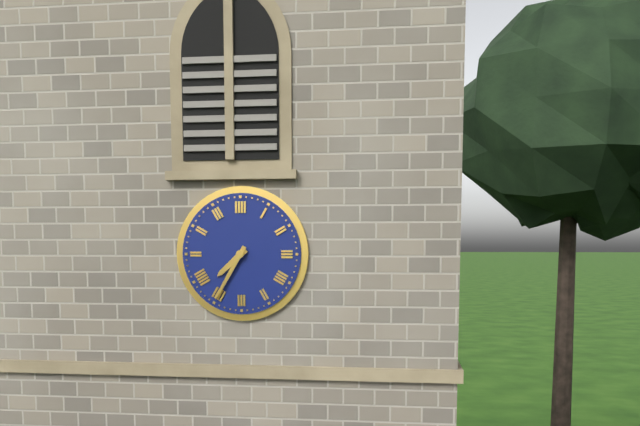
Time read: 7:35
